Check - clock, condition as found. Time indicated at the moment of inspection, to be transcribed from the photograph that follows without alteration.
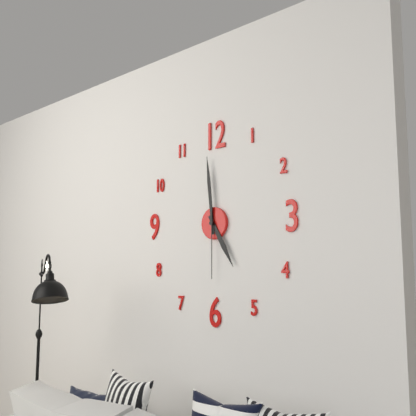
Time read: 4:59:30
